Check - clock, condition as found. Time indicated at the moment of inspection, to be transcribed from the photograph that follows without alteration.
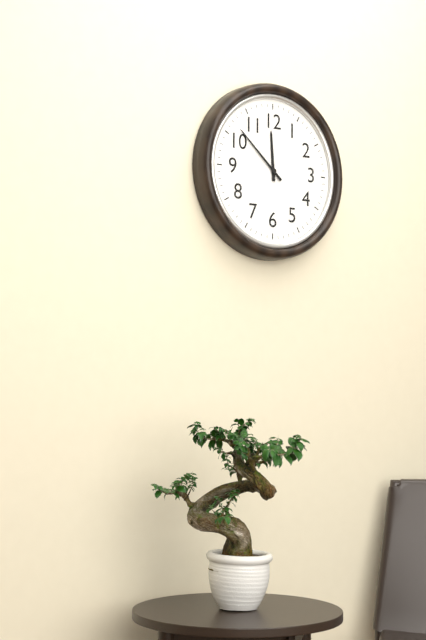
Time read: 11:52
